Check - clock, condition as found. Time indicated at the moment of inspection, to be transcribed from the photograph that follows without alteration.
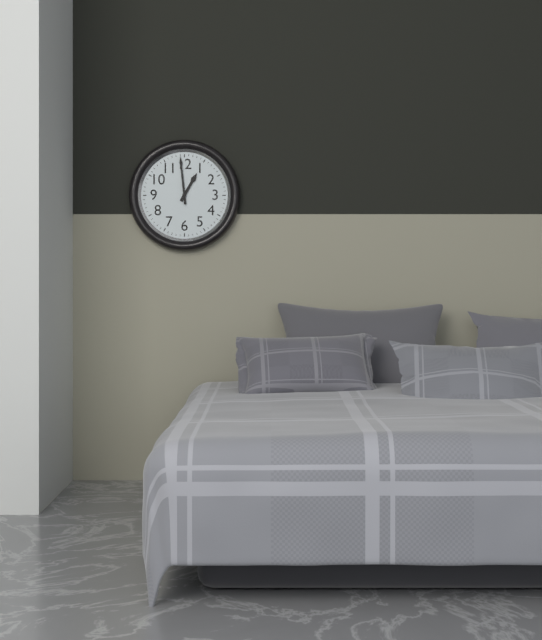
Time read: 12:59
